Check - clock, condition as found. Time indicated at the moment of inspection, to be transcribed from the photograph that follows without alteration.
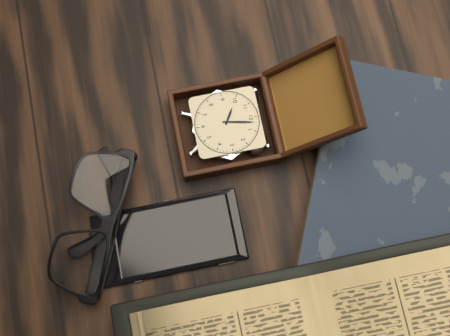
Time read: 10:02
